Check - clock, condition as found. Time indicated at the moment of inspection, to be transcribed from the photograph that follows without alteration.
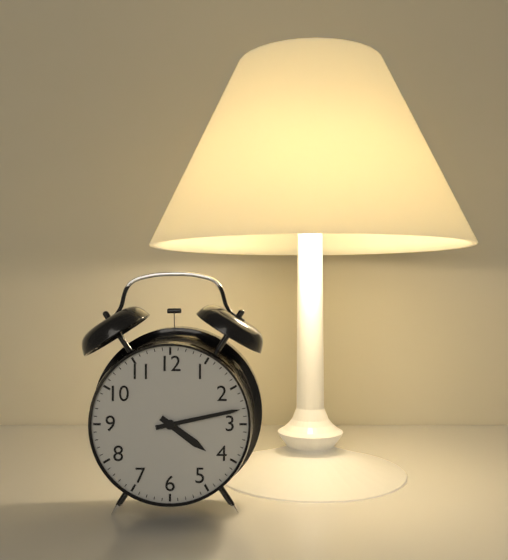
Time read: 4:13
